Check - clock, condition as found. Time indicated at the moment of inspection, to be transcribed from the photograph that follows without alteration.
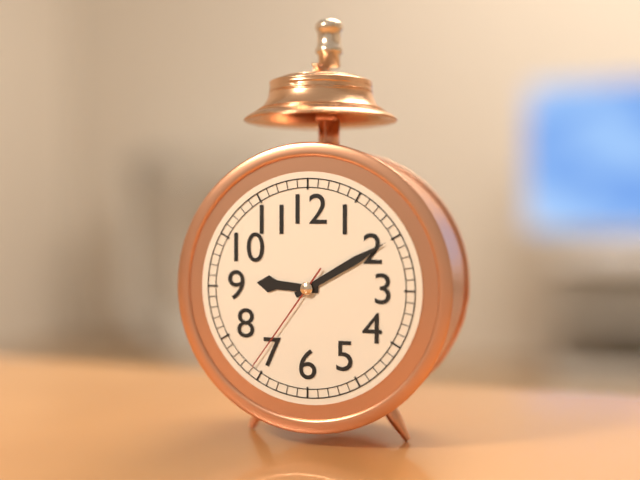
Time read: 9:10:36
